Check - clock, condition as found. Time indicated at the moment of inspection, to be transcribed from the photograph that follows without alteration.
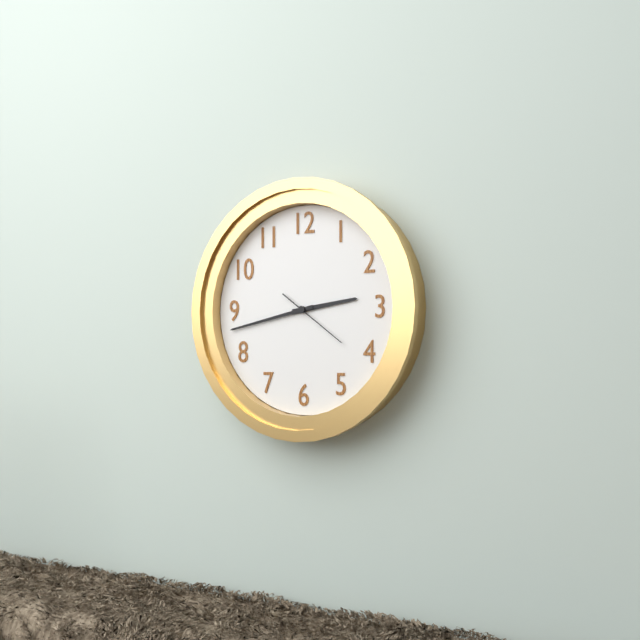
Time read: 2:43:21
